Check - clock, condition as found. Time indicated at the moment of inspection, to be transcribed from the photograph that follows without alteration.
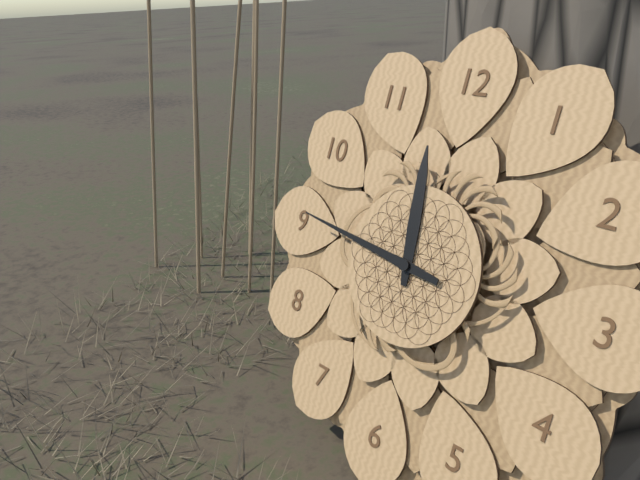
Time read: 11:46
